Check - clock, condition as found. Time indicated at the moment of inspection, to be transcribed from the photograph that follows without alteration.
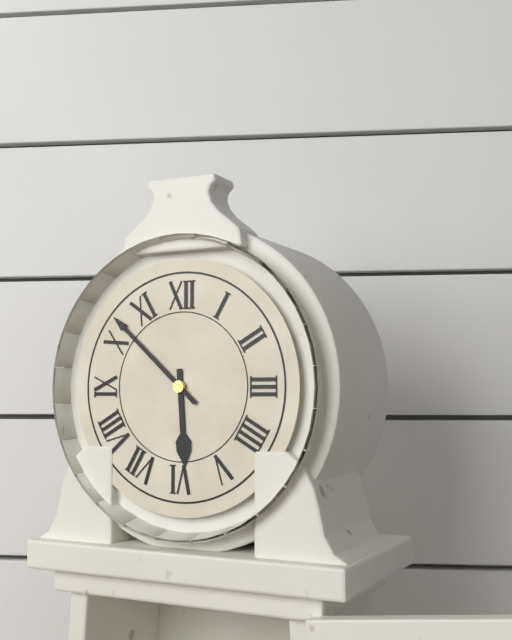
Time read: 5:52
